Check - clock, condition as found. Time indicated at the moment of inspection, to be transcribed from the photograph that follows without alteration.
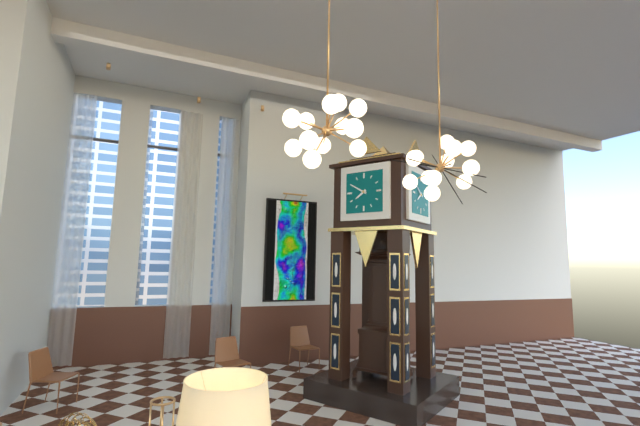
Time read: 7:50
